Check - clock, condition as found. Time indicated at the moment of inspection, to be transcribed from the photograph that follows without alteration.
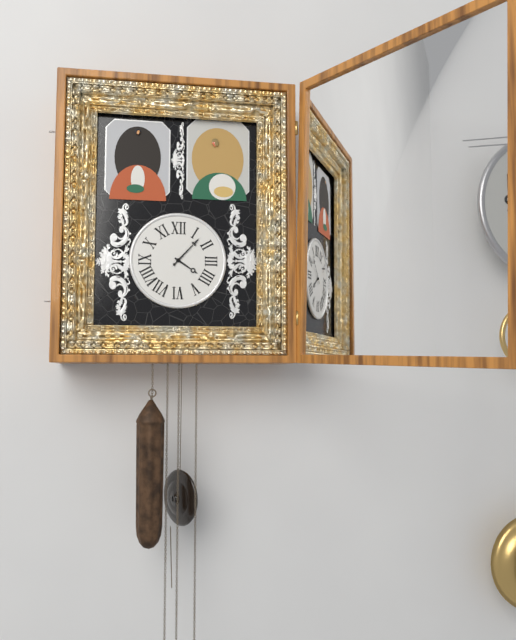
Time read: 4:07
